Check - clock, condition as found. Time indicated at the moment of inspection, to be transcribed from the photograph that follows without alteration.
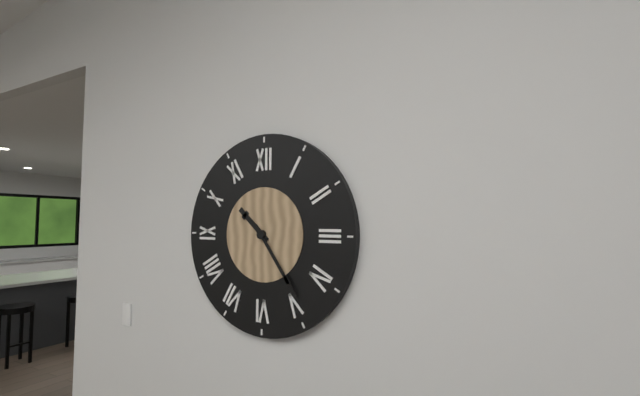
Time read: 10:24
